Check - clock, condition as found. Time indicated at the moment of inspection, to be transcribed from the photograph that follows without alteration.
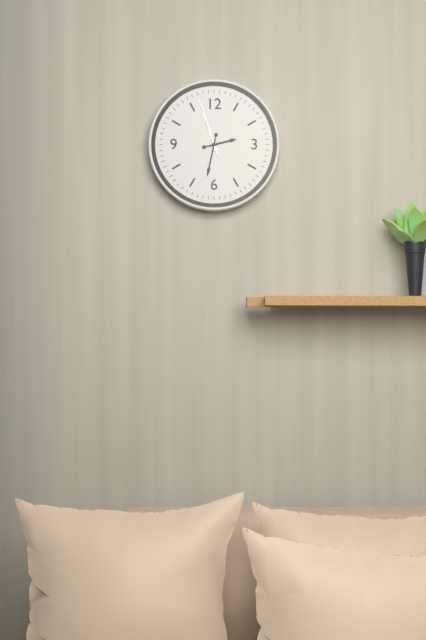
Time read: 2:32:57
